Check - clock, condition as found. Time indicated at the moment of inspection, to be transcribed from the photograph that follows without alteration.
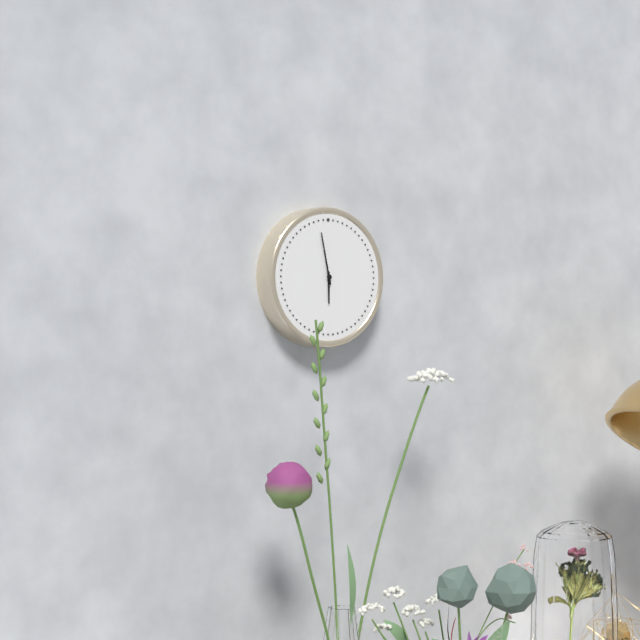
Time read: 5:58
